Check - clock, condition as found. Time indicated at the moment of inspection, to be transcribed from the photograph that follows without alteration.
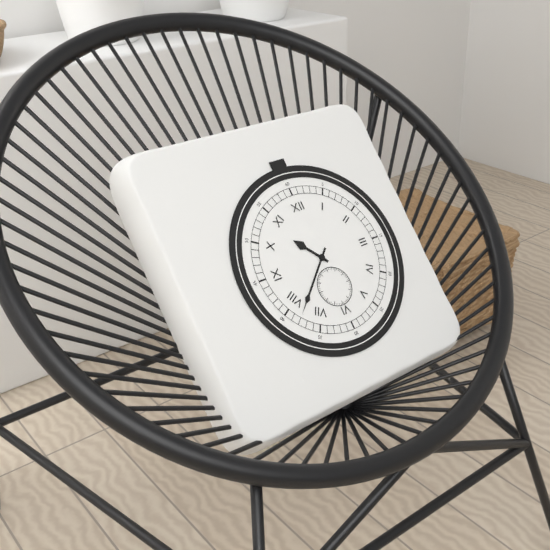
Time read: 10:38
